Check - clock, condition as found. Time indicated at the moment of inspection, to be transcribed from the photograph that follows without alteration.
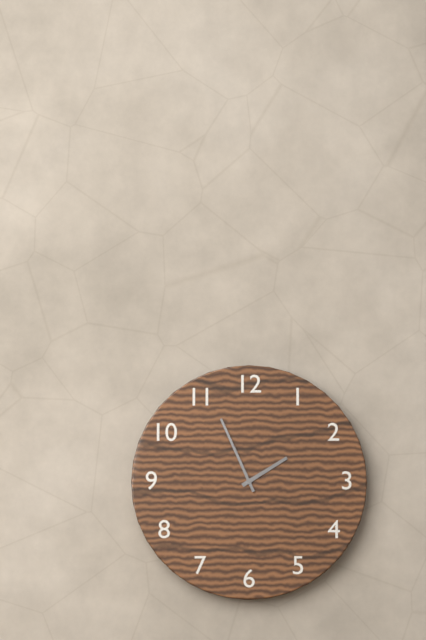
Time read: 1:56
